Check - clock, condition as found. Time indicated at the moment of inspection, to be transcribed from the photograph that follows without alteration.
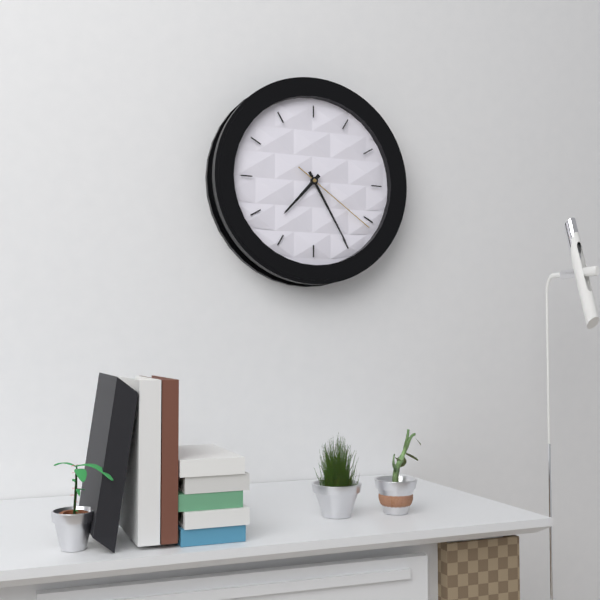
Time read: 7:25:21
